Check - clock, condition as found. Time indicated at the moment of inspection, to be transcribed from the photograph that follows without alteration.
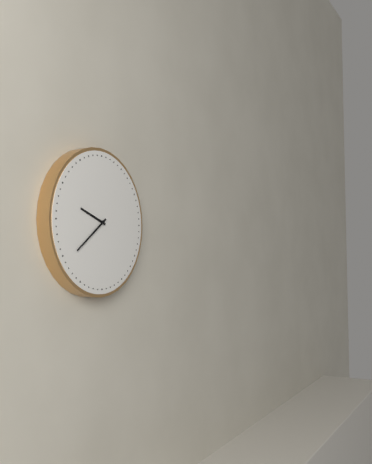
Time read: 9:39
